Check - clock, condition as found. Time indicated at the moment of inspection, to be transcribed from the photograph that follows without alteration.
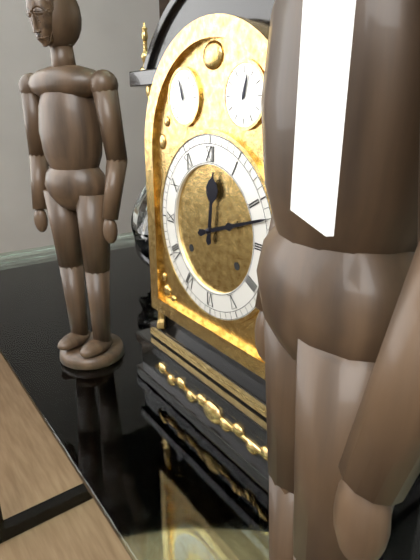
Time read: 12:12
